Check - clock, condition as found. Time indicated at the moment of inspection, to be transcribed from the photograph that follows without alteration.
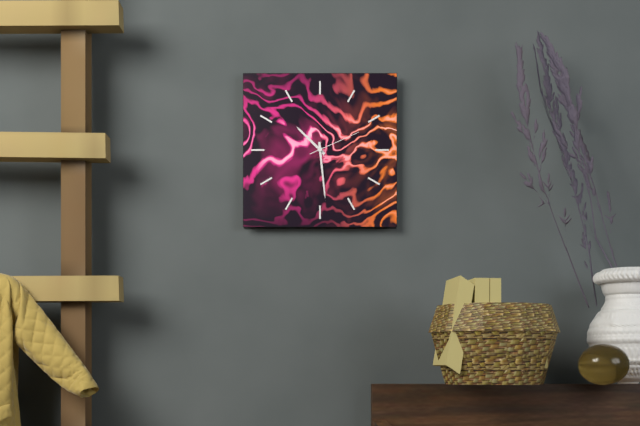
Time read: 10:29:11
